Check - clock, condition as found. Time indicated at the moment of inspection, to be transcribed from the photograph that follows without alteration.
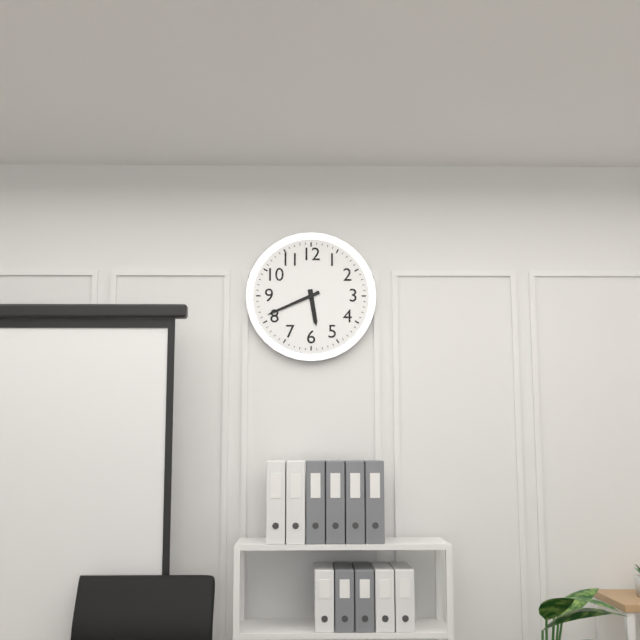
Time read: 5:41
